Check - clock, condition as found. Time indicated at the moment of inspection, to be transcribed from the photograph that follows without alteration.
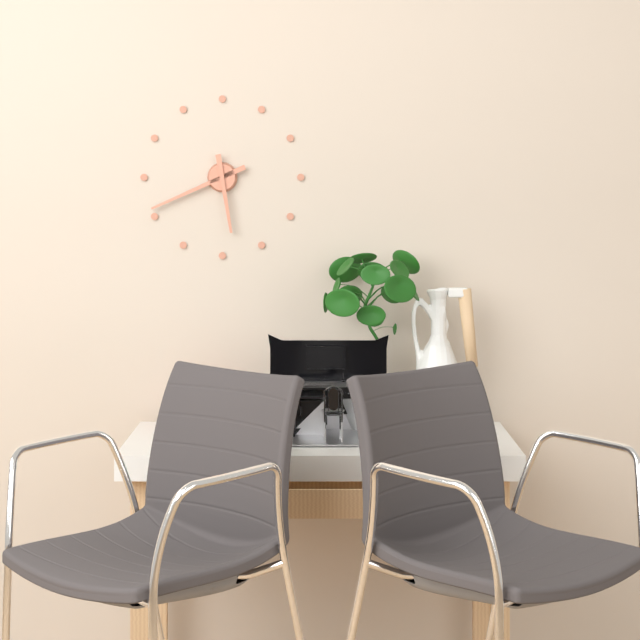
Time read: 5:41
